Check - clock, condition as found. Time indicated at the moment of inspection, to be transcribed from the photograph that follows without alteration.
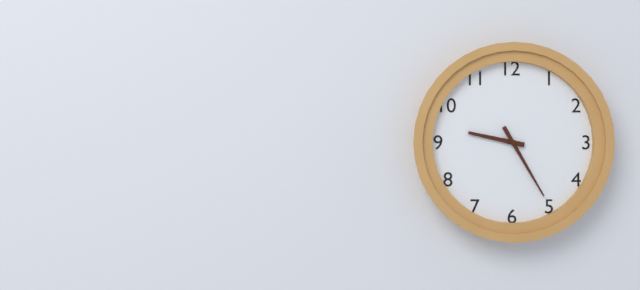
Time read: 9:25
